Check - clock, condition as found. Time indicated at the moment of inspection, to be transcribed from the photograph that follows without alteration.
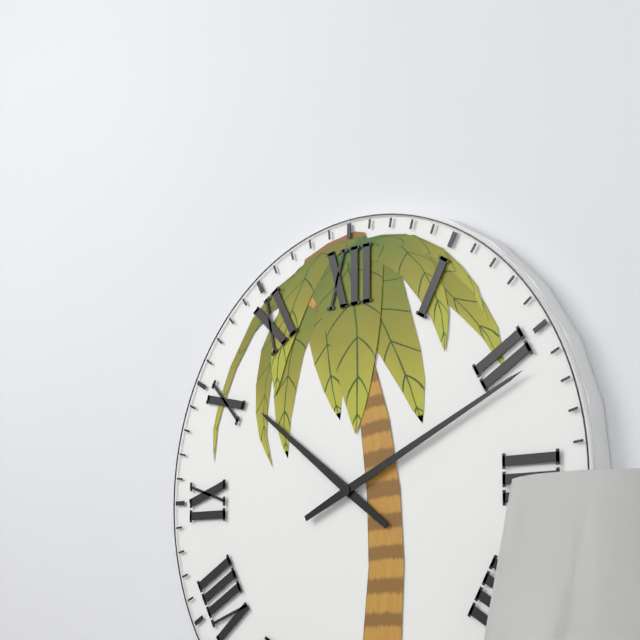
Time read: 10:11
